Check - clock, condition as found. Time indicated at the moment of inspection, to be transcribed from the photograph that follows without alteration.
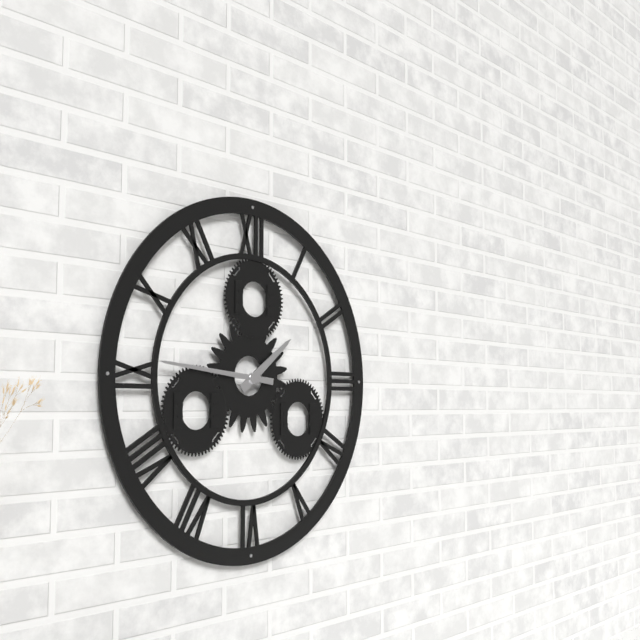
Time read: 1:46
